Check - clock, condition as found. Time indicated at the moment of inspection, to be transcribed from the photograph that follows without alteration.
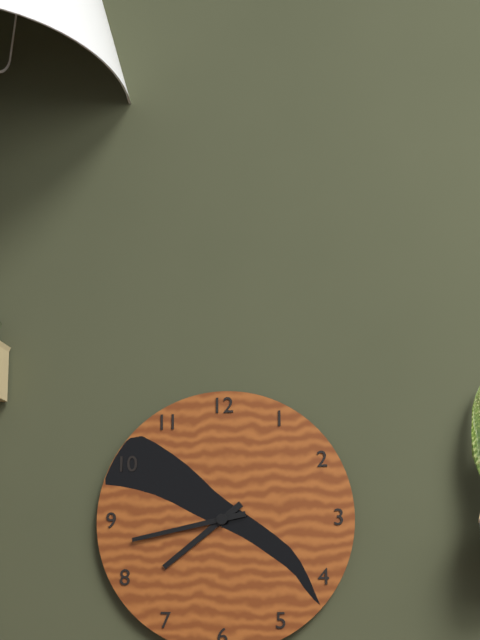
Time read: 7:43
